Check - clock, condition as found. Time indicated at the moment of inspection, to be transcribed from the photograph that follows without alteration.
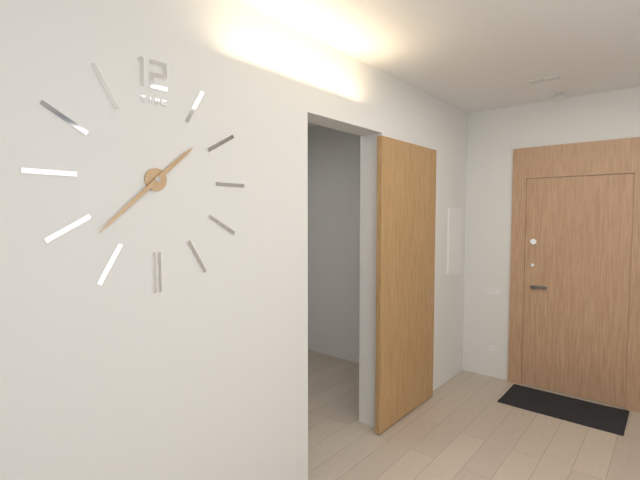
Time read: 1:38
